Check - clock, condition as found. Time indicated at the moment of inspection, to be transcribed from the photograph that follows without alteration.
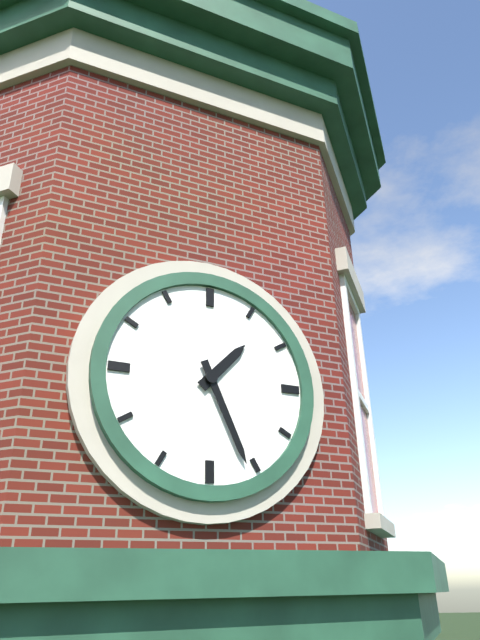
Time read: 1:26
